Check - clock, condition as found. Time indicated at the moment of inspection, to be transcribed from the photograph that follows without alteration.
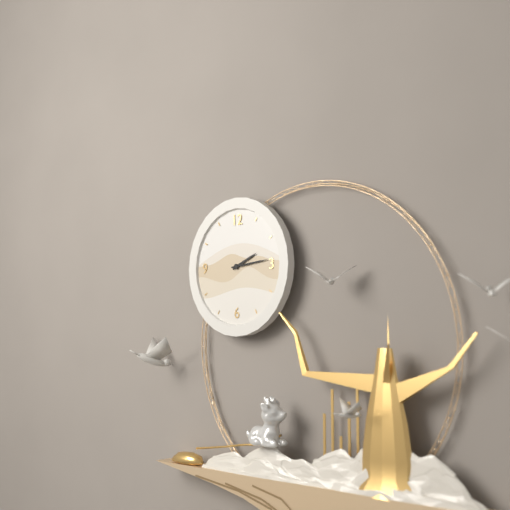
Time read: 2:14
